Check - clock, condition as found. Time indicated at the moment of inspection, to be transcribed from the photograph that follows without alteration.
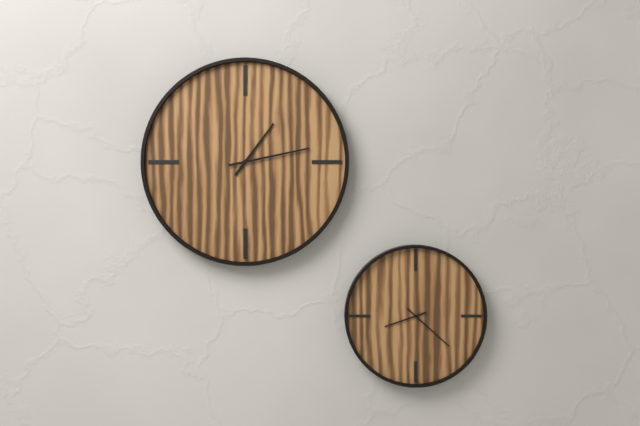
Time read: 1:13
